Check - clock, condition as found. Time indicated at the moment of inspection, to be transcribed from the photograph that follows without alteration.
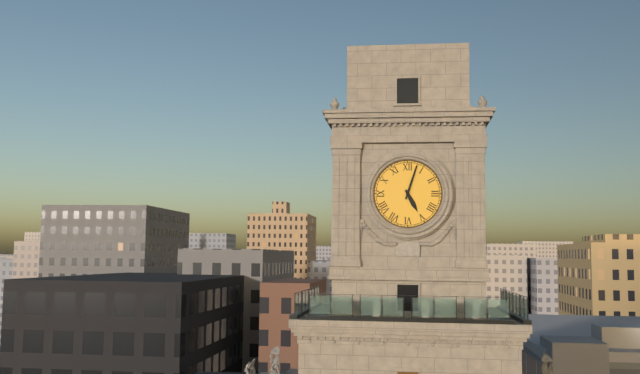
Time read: 5:03
